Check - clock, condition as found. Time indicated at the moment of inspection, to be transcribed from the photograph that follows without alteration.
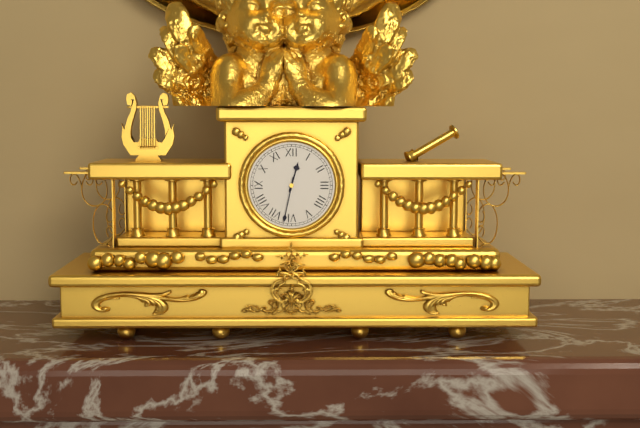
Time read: 12:32
